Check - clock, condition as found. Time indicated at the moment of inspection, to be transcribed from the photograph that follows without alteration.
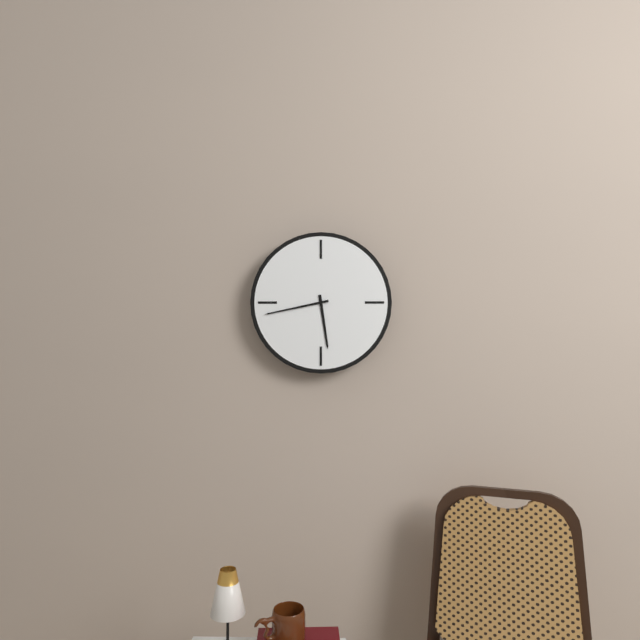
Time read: 5:43
